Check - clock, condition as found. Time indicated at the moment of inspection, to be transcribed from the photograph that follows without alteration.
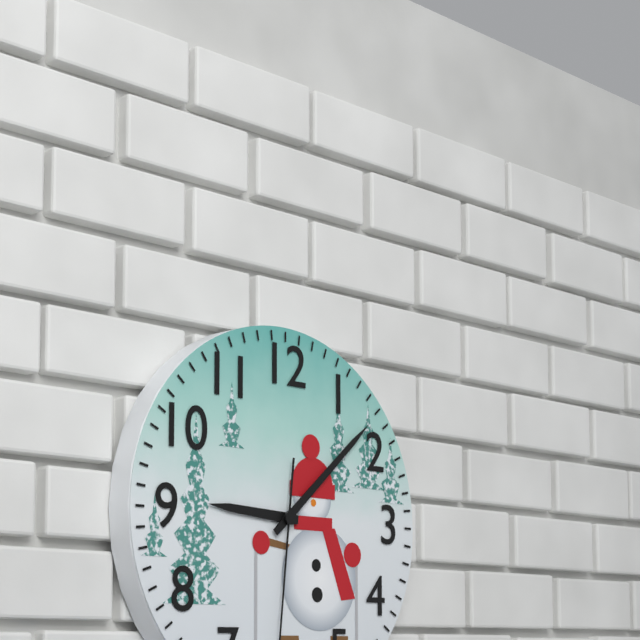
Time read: 9:08
